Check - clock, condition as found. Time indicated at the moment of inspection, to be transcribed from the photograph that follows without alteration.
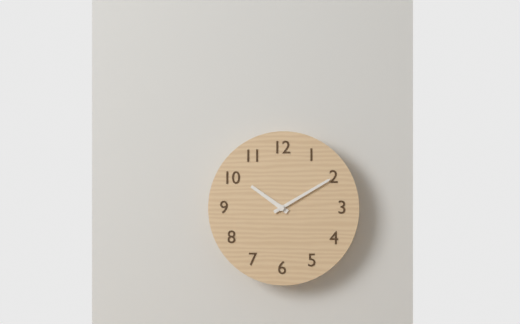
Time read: 10:10
